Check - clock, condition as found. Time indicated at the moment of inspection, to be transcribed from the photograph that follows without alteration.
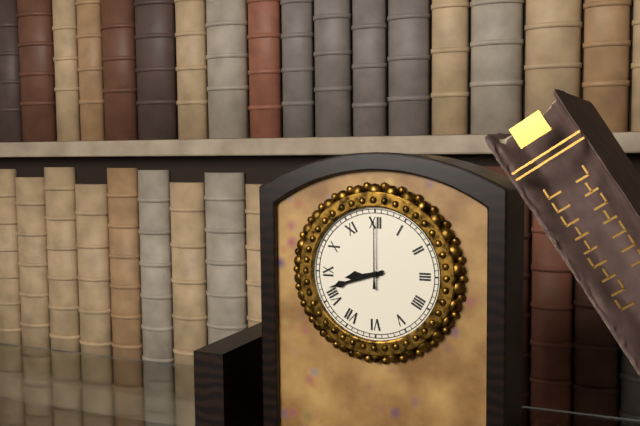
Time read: 8:42:00
